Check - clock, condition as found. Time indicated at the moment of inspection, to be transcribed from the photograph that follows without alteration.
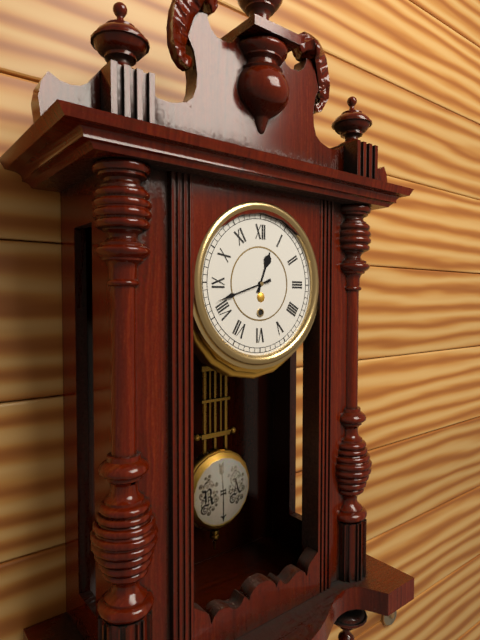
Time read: 12:42
